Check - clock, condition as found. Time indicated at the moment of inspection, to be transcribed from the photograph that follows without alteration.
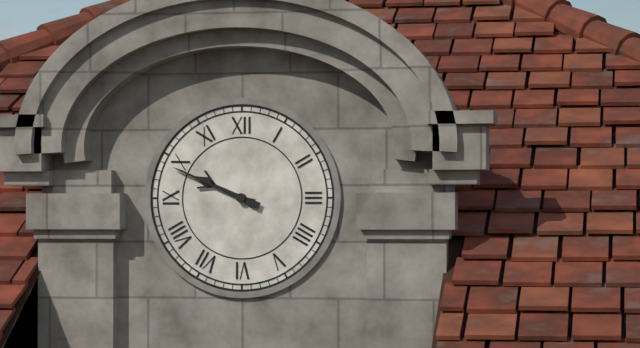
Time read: 9:49
